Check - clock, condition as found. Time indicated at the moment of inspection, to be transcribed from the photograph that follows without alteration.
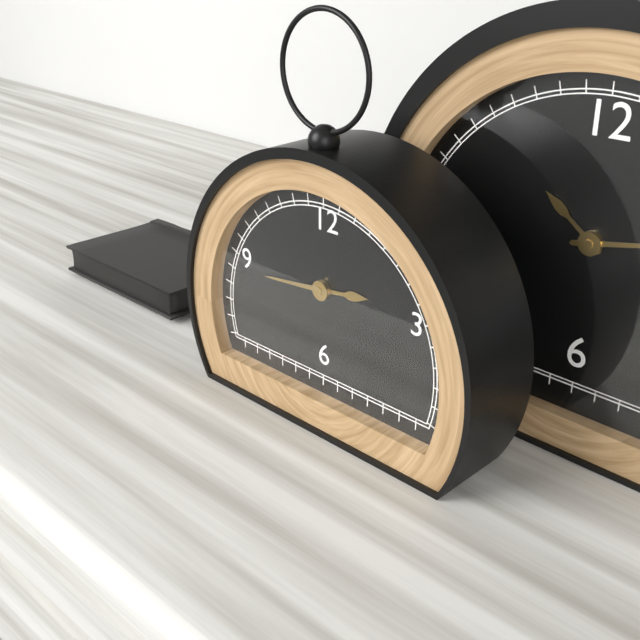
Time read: 2:44
